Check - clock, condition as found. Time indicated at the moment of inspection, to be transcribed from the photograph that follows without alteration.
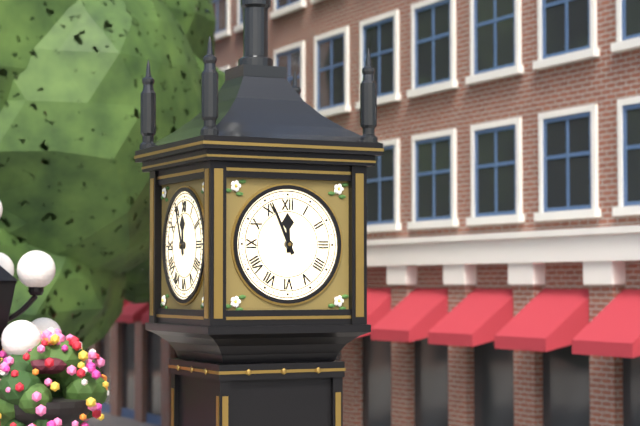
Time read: 11:56
